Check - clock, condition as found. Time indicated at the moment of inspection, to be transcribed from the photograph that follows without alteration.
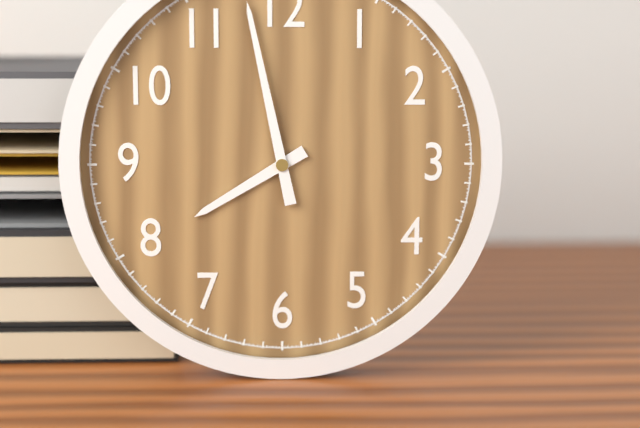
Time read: 7:58
